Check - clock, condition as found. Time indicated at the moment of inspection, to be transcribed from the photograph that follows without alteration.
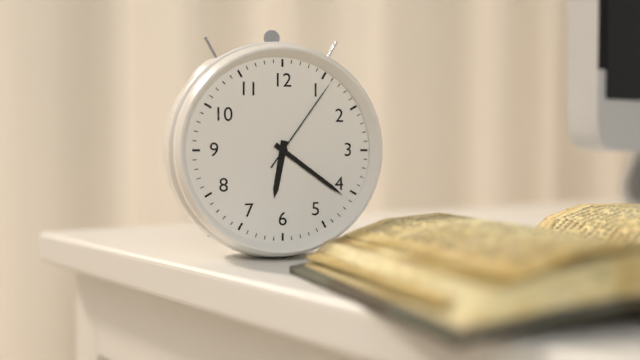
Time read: 6:21:06
